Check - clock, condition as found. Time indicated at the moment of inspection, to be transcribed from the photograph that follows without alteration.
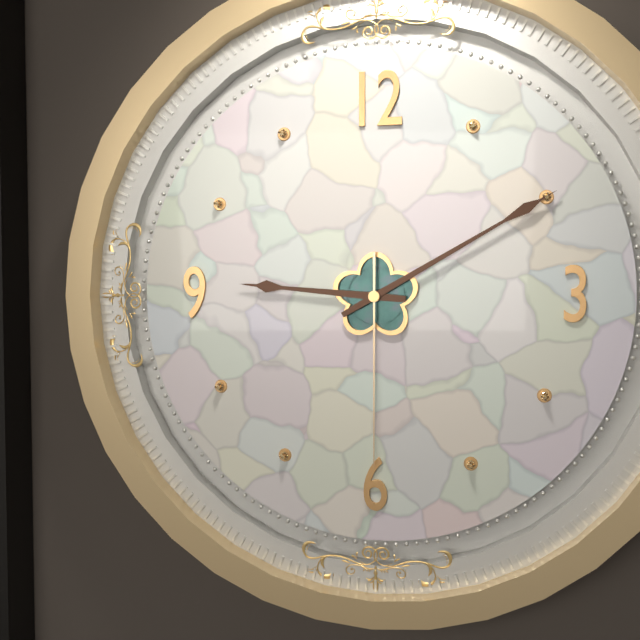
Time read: 9:10:30
